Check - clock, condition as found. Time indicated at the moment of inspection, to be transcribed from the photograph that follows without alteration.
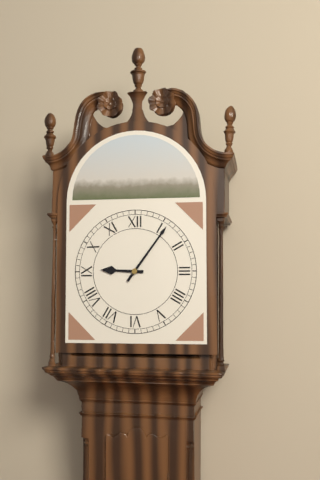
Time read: 9:06
